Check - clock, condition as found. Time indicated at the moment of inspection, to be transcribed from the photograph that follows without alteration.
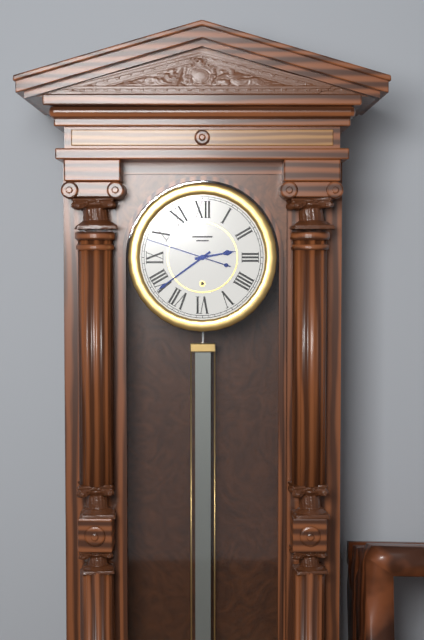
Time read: 2:39:48
